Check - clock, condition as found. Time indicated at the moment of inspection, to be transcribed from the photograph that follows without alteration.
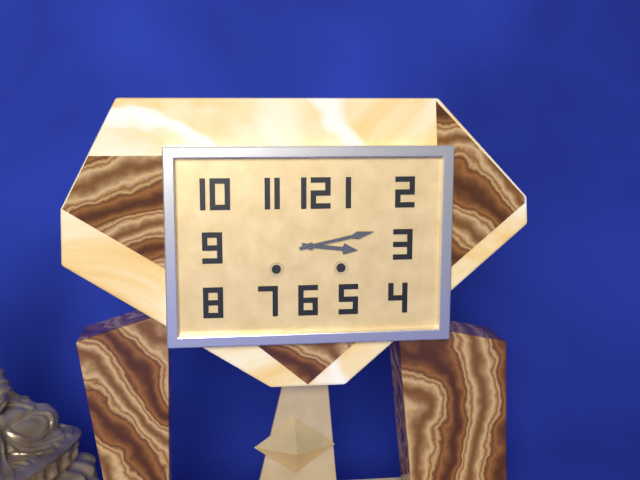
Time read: 3:13
